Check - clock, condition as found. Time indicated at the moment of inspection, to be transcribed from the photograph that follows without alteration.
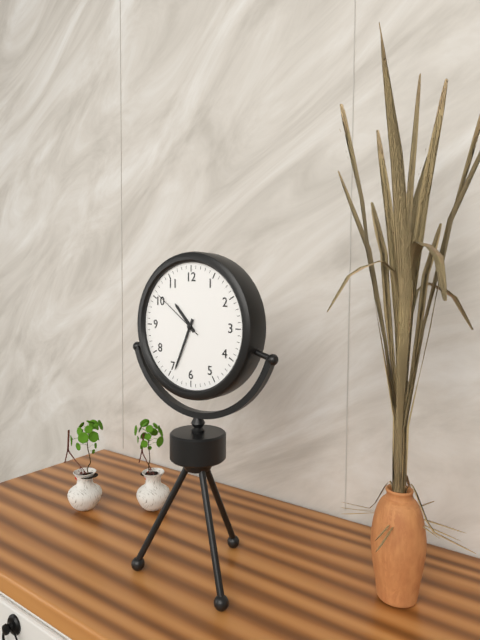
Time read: 10:34:51
